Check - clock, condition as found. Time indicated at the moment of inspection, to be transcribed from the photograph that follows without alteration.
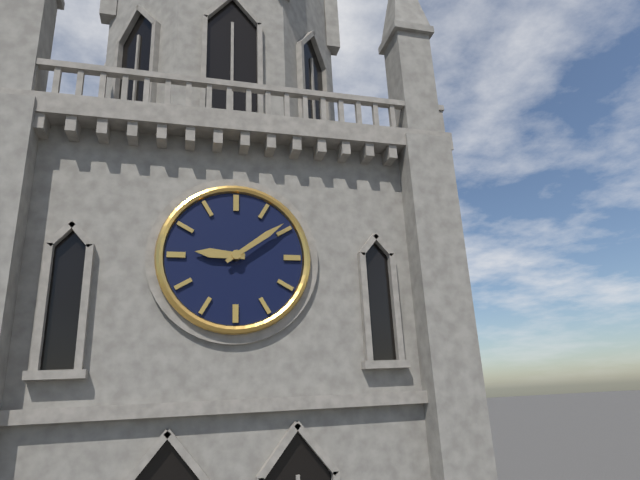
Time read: 9:09
